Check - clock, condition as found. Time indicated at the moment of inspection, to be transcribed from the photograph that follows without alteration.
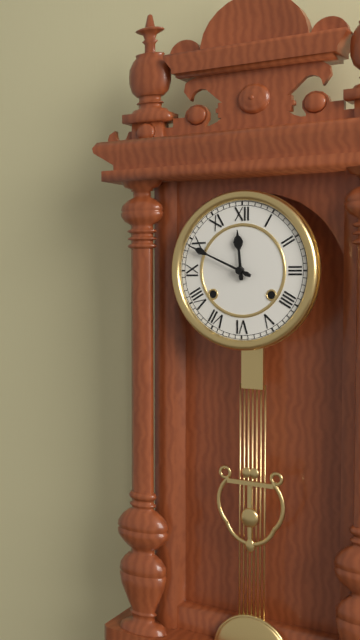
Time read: 11:49
